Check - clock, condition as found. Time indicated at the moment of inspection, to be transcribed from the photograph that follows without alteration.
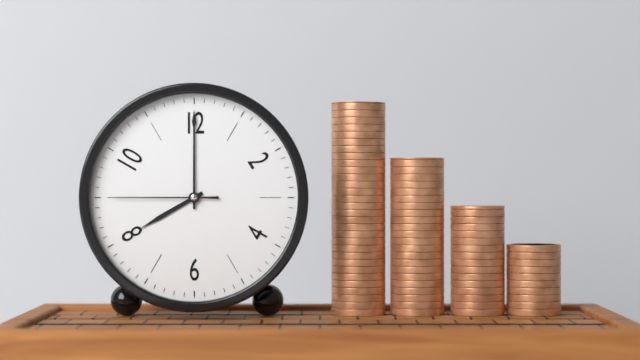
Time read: 8:00:45
